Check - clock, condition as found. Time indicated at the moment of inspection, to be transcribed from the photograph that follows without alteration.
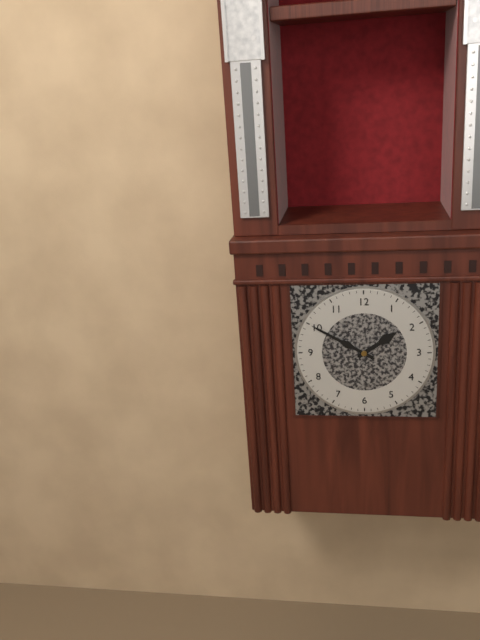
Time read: 1:50
